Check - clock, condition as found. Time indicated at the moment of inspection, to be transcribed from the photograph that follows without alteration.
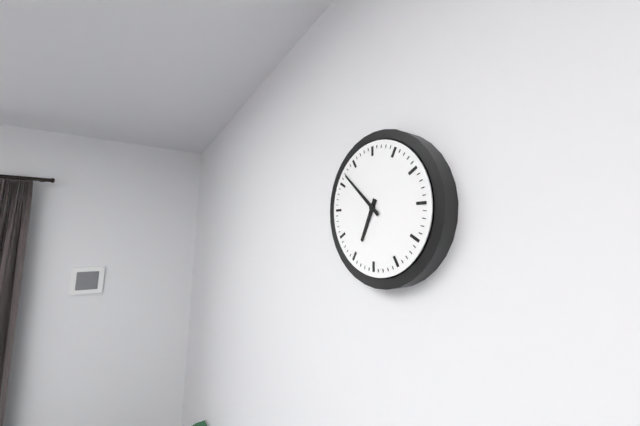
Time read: 6:52
